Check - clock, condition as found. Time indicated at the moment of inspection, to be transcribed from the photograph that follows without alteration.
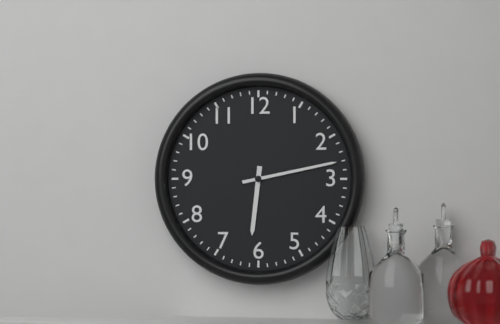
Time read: 6:13
